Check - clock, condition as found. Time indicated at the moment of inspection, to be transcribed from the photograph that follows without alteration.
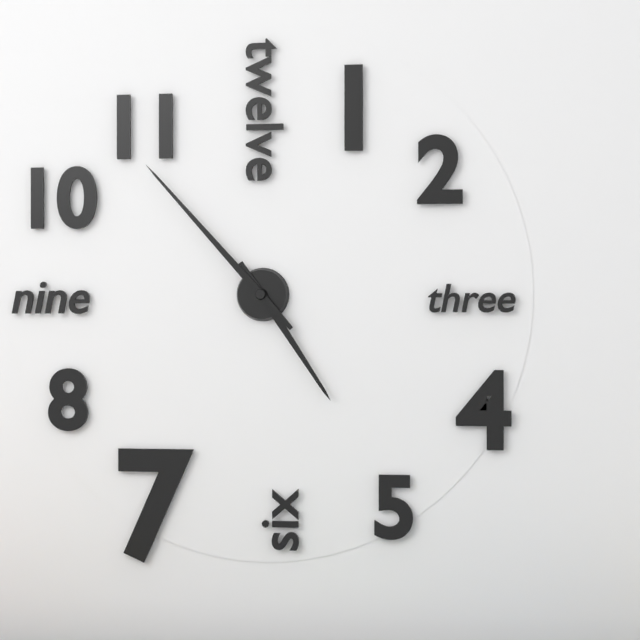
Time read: 4:53
